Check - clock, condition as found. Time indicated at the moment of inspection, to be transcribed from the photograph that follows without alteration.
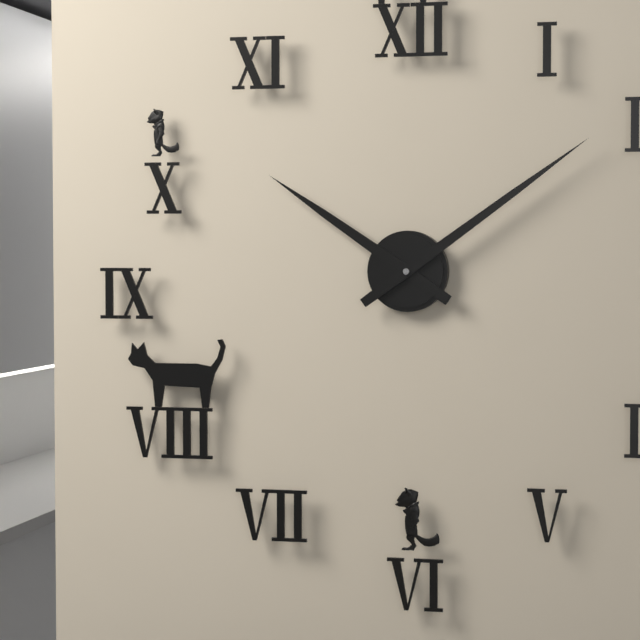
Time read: 10:09
